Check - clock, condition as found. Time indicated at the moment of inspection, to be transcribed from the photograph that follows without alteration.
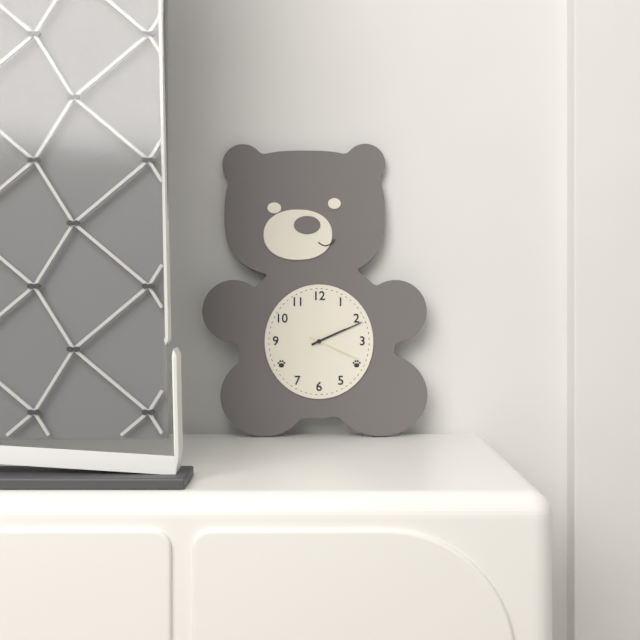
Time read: 2:11:19
